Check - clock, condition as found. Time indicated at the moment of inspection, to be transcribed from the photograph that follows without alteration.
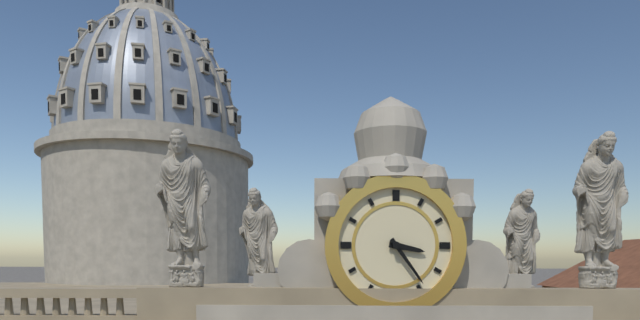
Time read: 3:24
